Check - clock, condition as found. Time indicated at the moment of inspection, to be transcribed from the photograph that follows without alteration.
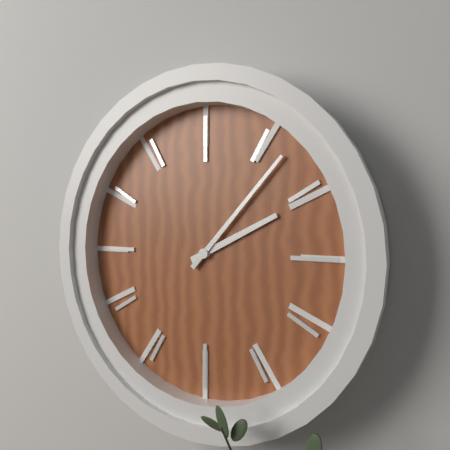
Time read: 2:07
